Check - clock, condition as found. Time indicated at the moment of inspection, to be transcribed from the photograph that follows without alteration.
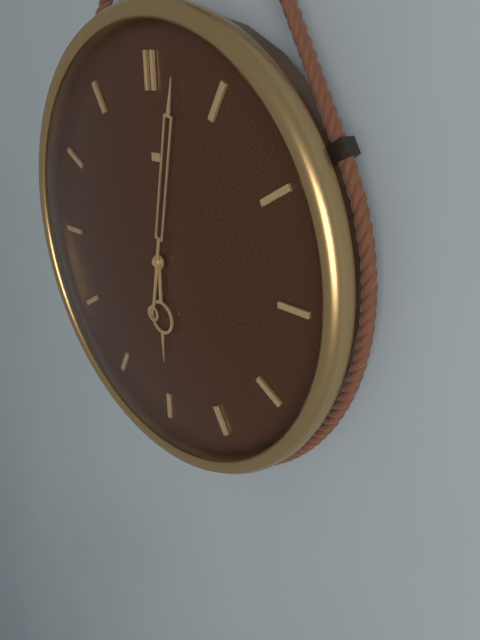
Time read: 6:02
